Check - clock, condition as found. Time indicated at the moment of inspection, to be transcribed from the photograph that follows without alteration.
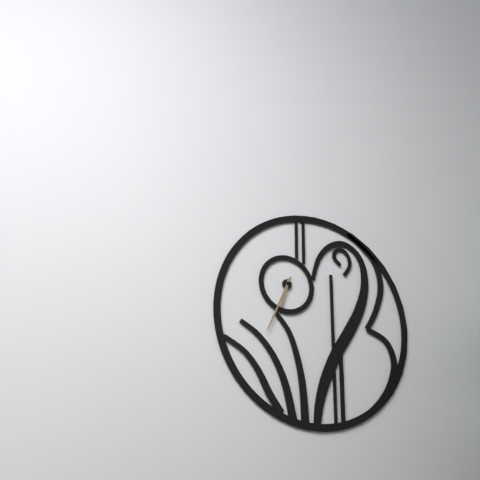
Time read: 6:34
